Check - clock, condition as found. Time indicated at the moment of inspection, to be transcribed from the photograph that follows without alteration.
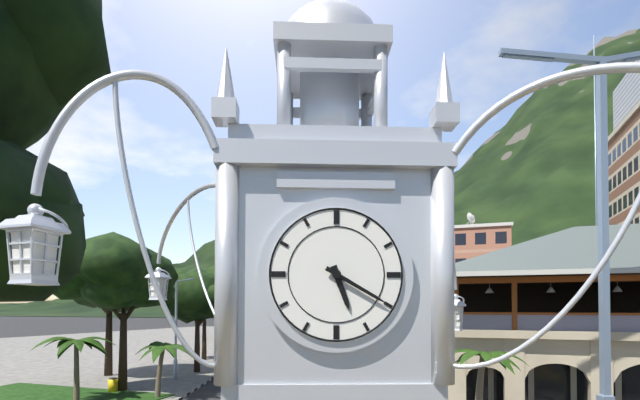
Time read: 5:20
